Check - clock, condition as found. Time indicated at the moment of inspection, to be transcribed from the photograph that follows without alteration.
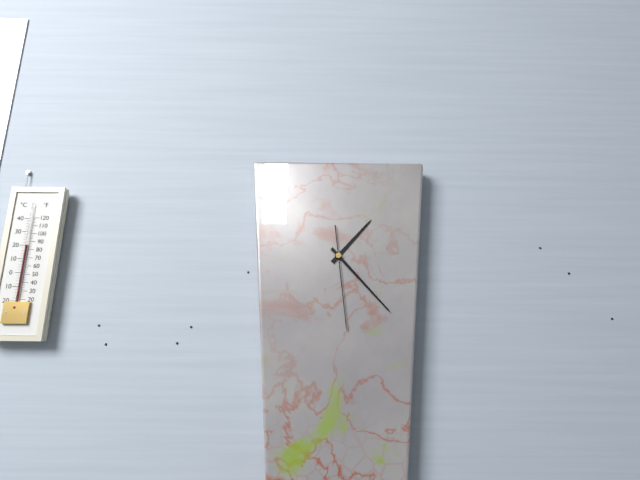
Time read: 1:23:29
